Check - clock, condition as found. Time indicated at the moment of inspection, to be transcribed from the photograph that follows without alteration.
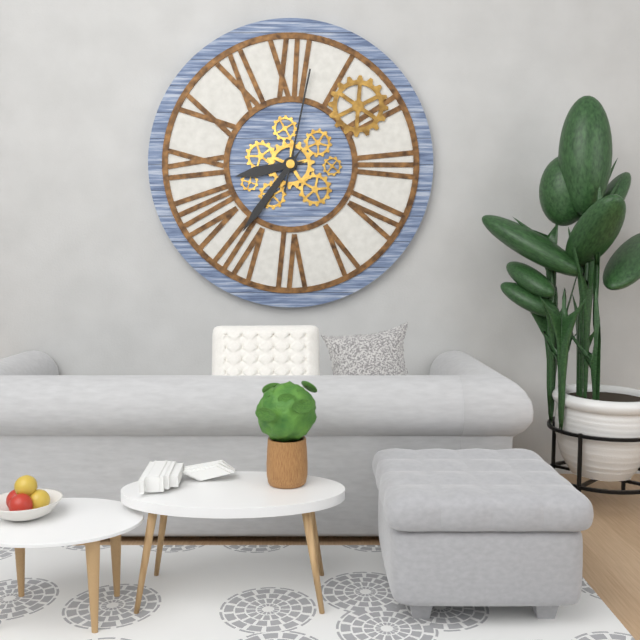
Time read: 8:36:02
